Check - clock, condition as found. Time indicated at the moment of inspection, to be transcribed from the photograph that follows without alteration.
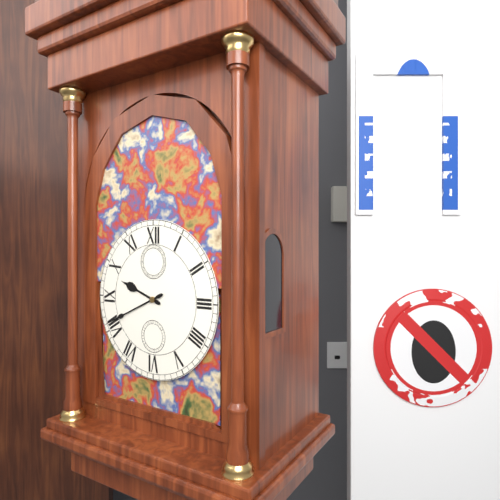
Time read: 9:41
